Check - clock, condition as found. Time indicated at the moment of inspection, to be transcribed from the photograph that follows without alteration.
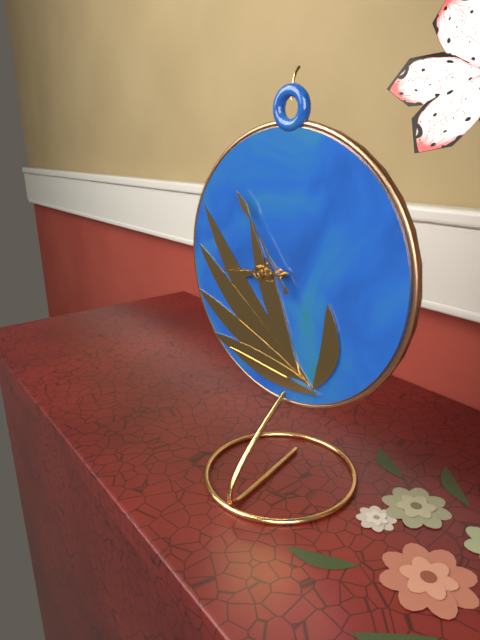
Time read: 8:44:54
